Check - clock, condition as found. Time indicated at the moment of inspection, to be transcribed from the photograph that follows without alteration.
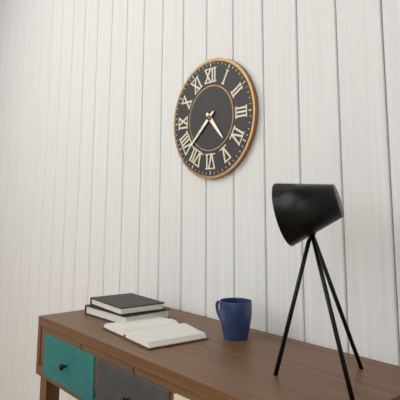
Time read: 4:38
